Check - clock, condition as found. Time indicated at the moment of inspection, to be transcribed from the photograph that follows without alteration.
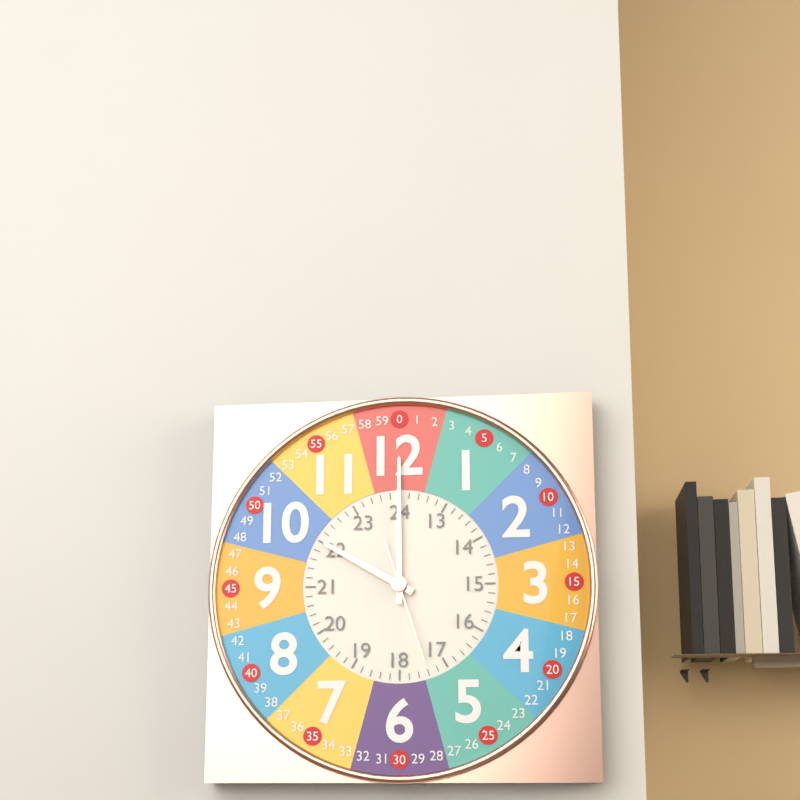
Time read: 10:00:27
